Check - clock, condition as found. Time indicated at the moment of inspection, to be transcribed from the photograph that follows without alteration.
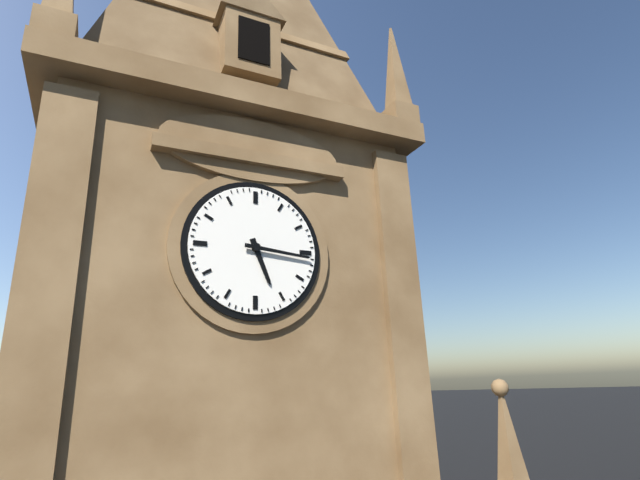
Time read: 5:16
